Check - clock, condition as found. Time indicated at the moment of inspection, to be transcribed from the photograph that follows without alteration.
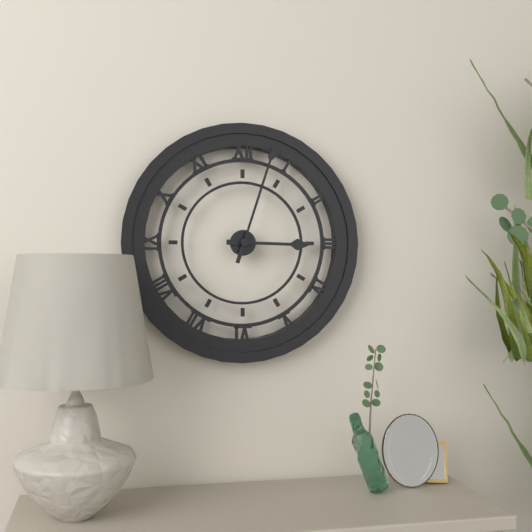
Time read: 3:03
